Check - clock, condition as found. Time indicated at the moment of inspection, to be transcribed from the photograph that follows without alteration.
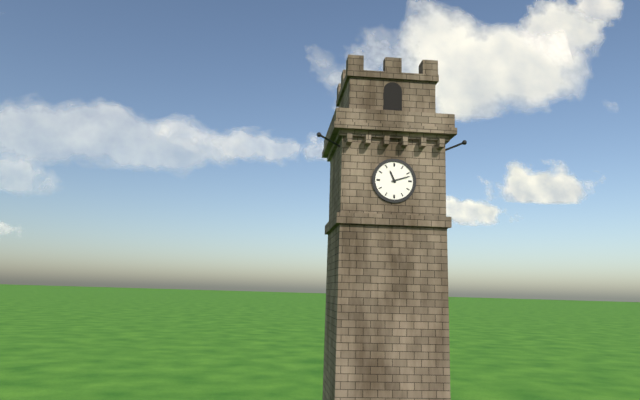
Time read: 11:12
